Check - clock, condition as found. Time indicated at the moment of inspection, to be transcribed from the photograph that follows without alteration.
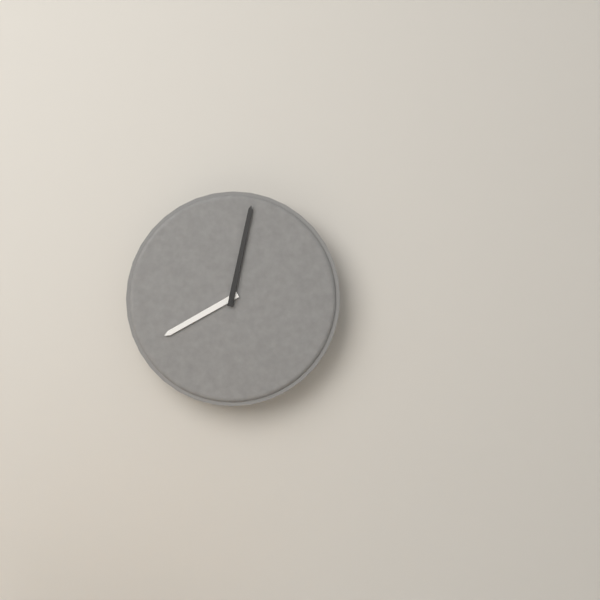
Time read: 8:02
